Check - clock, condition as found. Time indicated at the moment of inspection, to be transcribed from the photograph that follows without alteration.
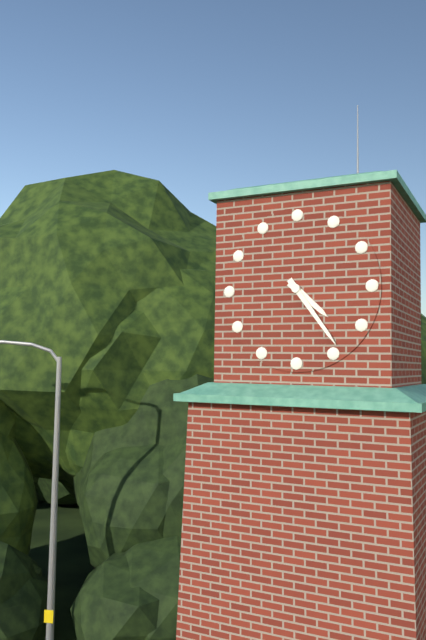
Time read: 4:24
